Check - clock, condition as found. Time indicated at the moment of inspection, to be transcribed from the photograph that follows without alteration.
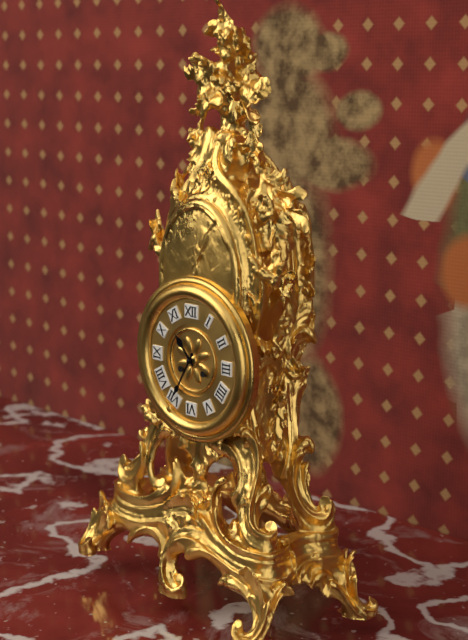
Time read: 10:35
